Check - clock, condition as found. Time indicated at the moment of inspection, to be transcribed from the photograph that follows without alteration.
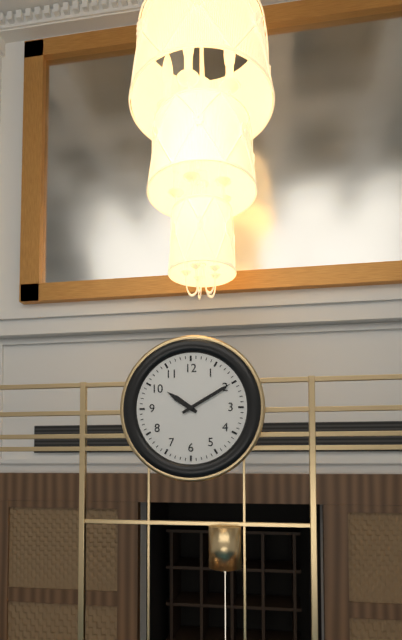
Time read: 10:10
